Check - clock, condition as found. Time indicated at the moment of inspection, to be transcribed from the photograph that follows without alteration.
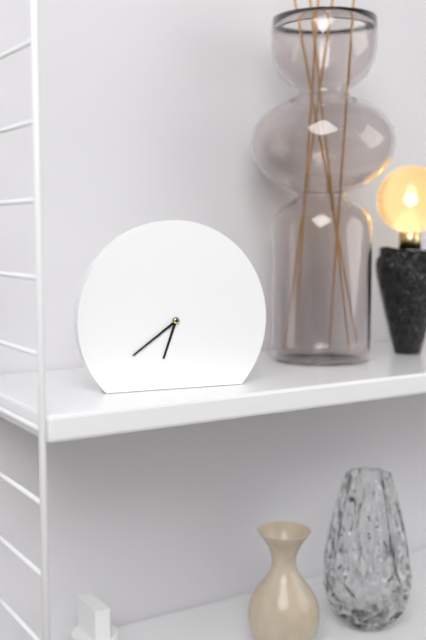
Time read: 6:39
